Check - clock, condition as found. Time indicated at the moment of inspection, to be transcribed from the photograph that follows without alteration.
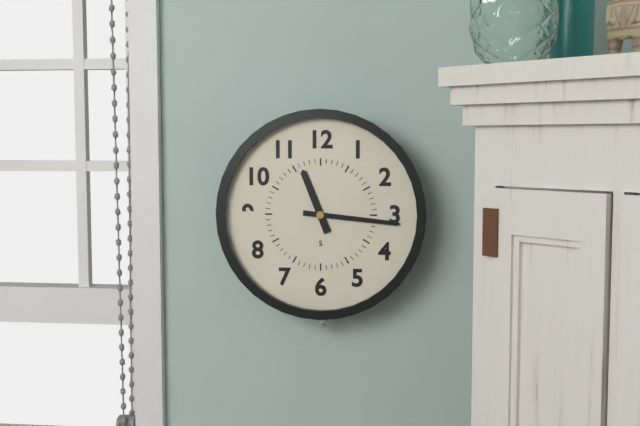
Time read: 11:16
